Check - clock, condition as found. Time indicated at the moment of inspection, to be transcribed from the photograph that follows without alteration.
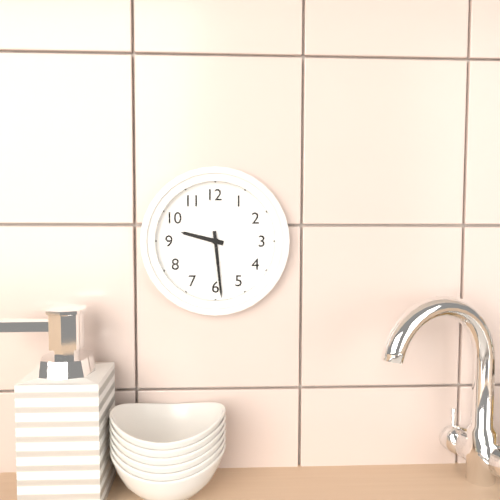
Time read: 9:29
